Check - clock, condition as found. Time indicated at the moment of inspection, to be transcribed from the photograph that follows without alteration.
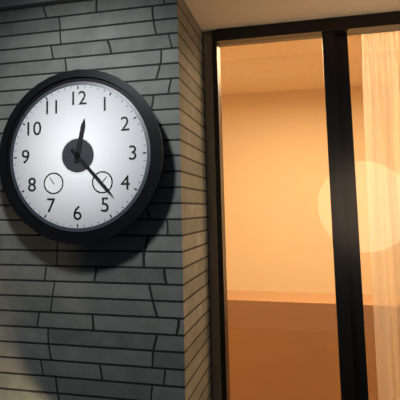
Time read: 12:23
